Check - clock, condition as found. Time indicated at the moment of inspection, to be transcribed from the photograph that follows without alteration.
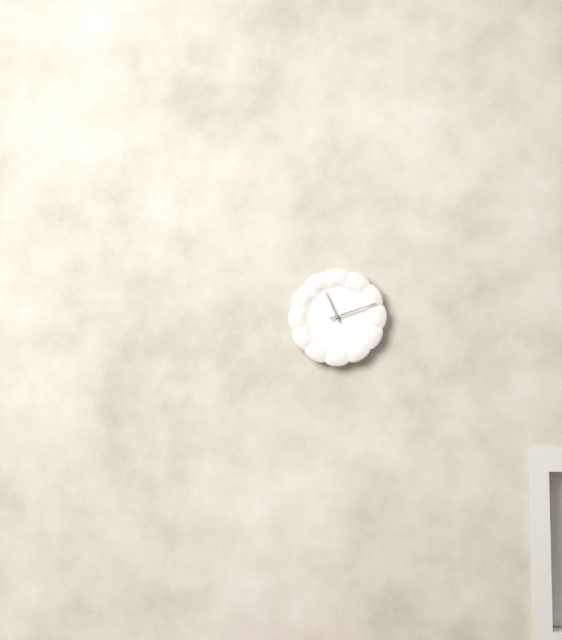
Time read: 11:12
